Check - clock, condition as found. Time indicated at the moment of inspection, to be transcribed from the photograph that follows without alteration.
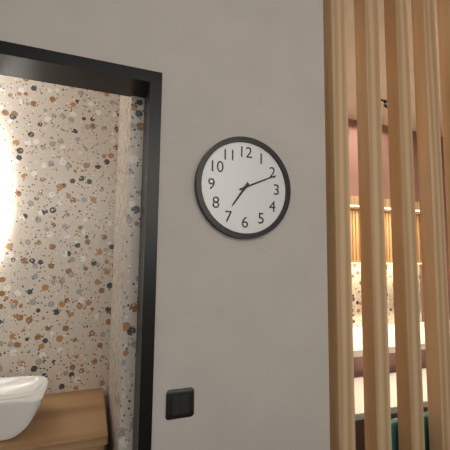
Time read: 7:11
